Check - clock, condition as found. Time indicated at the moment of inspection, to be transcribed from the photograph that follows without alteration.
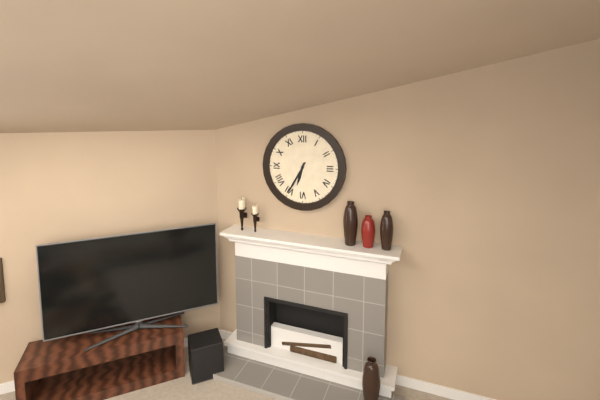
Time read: 6:35
